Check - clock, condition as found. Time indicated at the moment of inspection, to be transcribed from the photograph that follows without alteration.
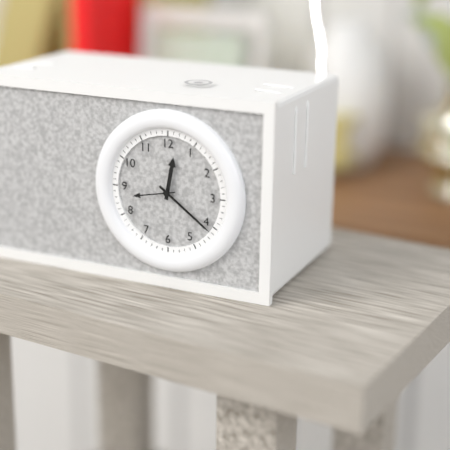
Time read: 12:21
